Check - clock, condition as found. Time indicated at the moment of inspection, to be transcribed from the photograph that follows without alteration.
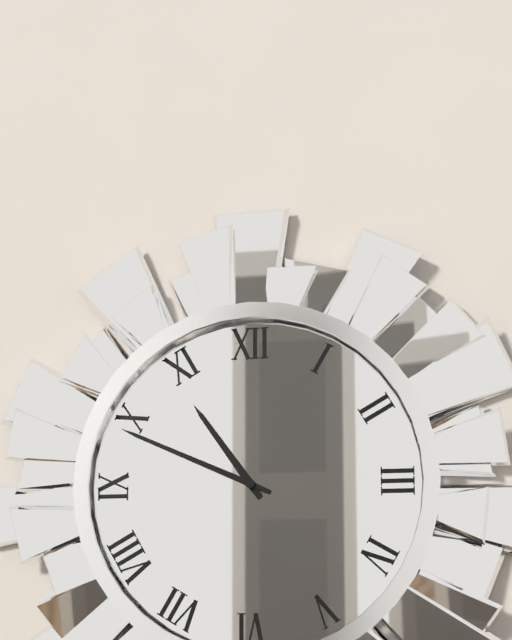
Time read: 10:49
